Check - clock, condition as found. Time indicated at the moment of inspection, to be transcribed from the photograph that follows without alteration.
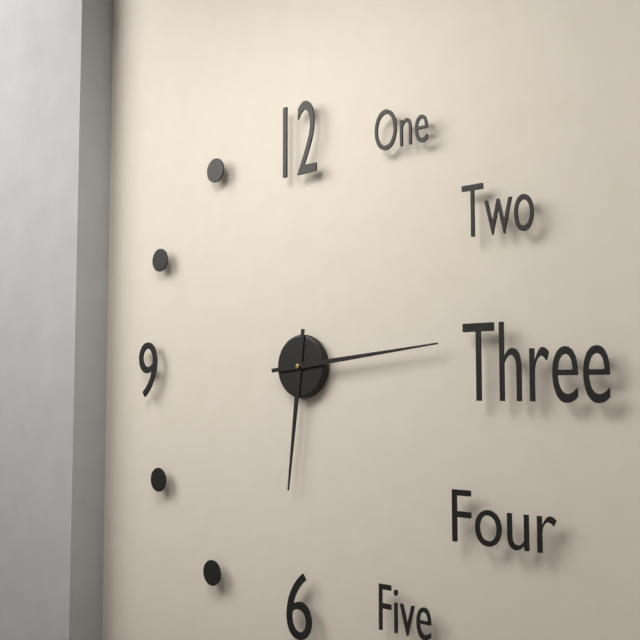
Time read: 6:14
